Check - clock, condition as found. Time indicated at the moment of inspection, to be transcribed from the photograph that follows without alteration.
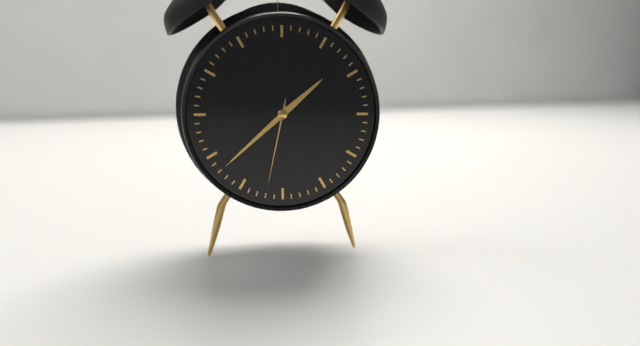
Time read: 1:38:32
